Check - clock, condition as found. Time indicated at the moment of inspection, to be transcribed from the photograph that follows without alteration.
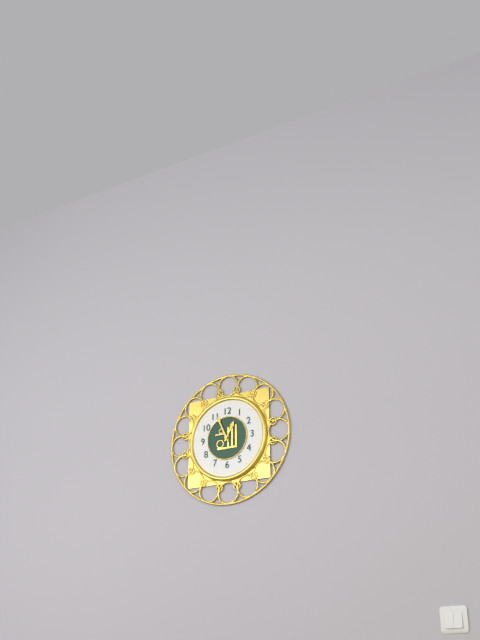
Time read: 12:56
